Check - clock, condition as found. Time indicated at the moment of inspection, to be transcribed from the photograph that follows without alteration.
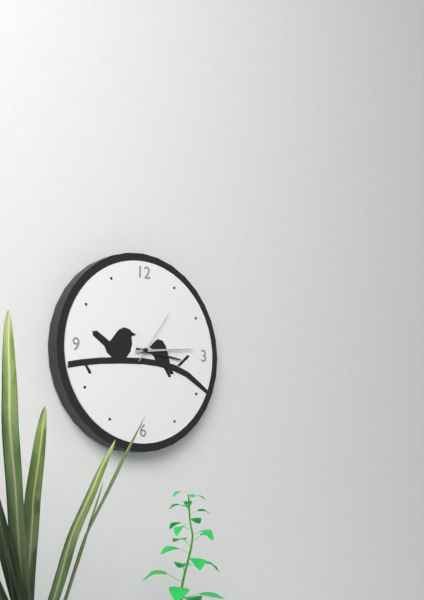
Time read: 3:14:06
